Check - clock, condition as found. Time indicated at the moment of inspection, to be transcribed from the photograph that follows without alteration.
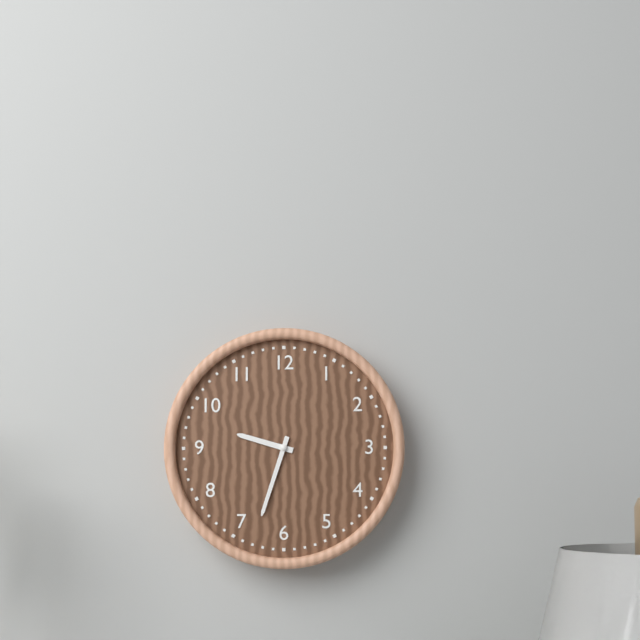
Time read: 9:33
